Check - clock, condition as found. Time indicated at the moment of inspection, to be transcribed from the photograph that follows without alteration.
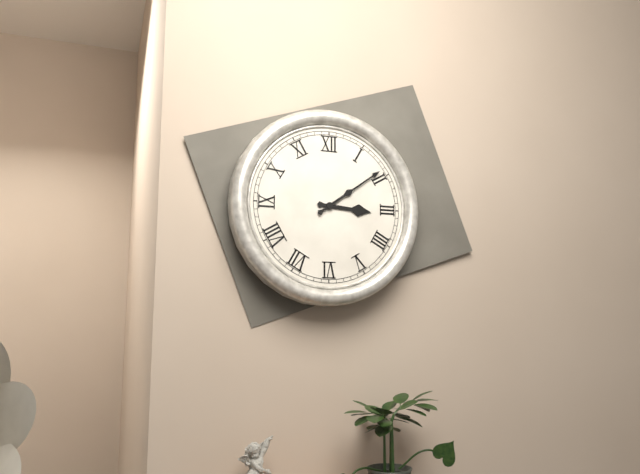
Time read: 3:09
